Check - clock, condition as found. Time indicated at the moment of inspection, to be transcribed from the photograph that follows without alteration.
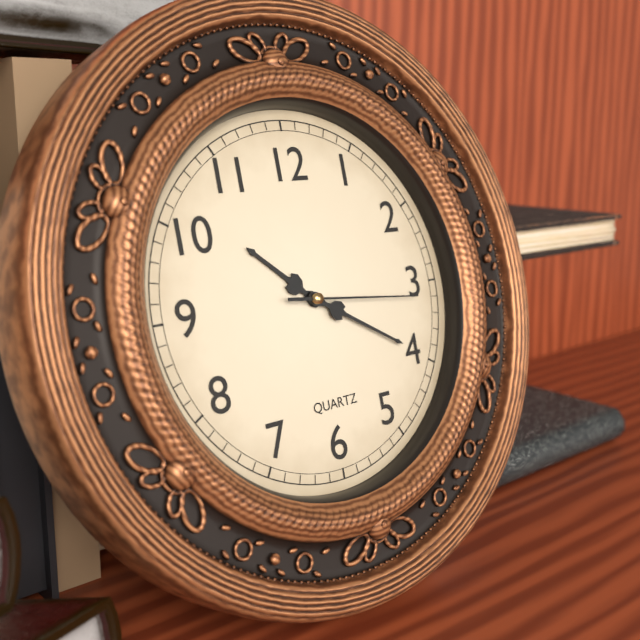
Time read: 10:20:16
